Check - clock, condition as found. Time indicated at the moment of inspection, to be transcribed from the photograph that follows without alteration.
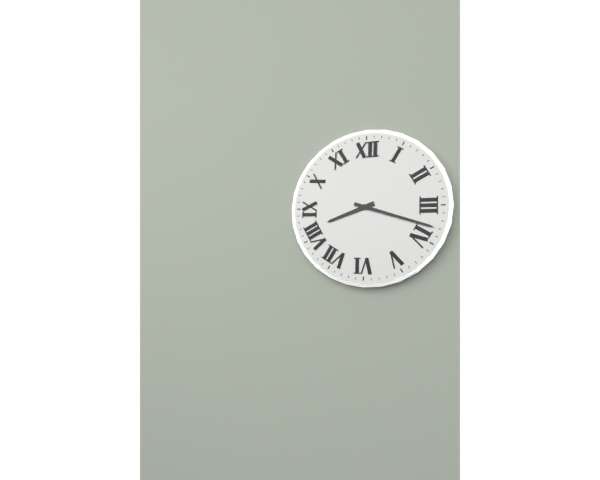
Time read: 8:18
